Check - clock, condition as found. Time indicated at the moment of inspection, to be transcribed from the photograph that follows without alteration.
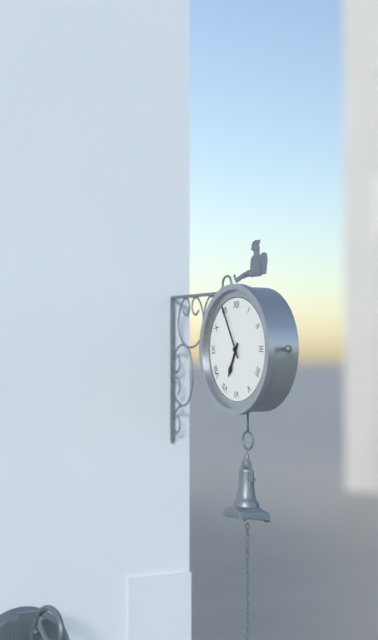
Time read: 6:55
